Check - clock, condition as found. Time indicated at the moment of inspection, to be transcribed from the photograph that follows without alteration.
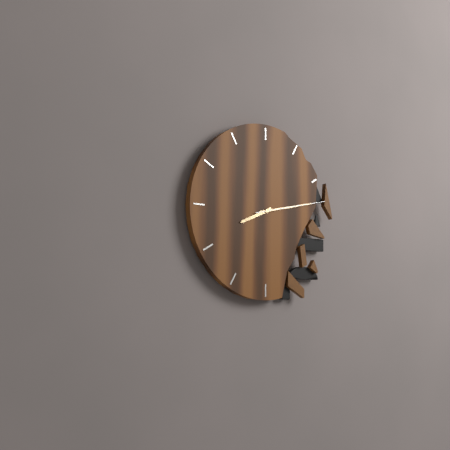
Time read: 8:13:13
